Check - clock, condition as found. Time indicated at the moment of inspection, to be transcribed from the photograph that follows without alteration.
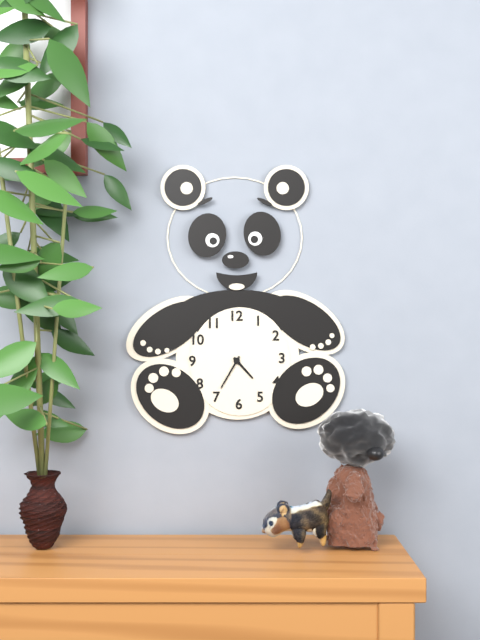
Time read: 4:35
